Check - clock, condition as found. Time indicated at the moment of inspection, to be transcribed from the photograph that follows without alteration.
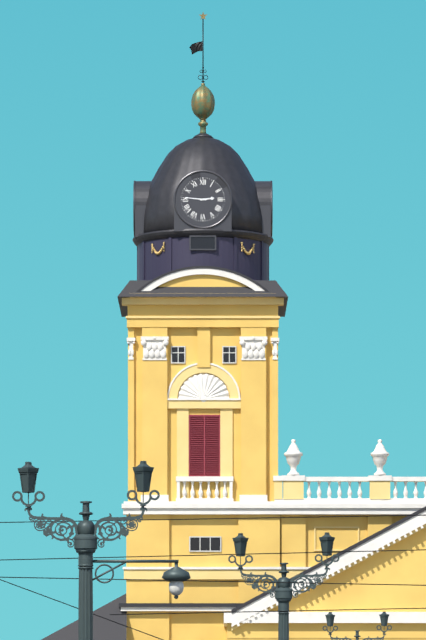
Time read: 2:46
